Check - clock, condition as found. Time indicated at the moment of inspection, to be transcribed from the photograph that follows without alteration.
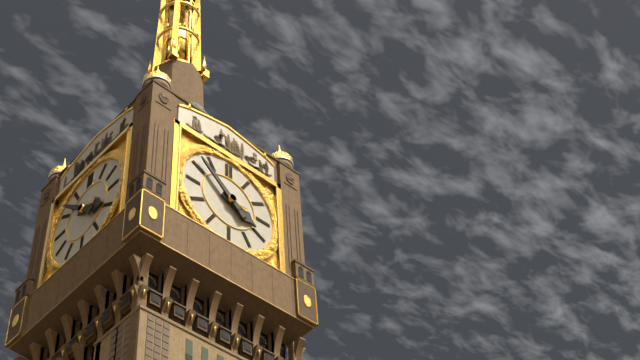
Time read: 3:52
